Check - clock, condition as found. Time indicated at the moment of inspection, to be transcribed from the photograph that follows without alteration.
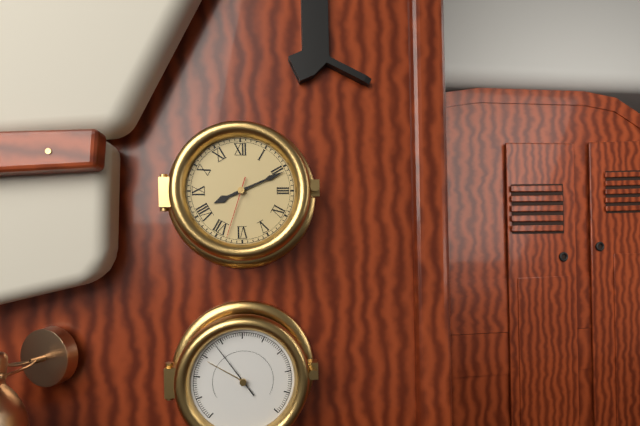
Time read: 8:11:33
